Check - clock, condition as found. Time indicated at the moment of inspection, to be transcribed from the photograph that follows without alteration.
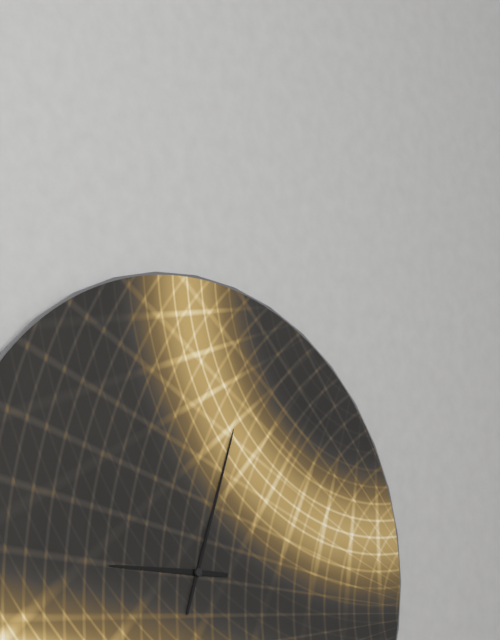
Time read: 9:03
